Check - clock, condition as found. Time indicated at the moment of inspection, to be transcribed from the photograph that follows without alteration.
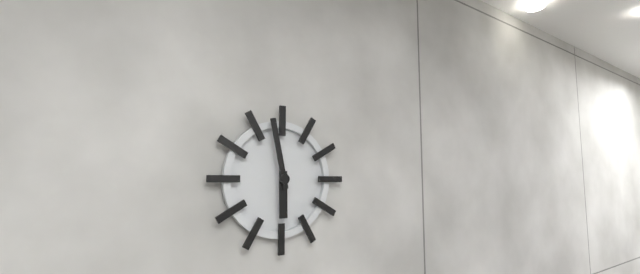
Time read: 5:58
